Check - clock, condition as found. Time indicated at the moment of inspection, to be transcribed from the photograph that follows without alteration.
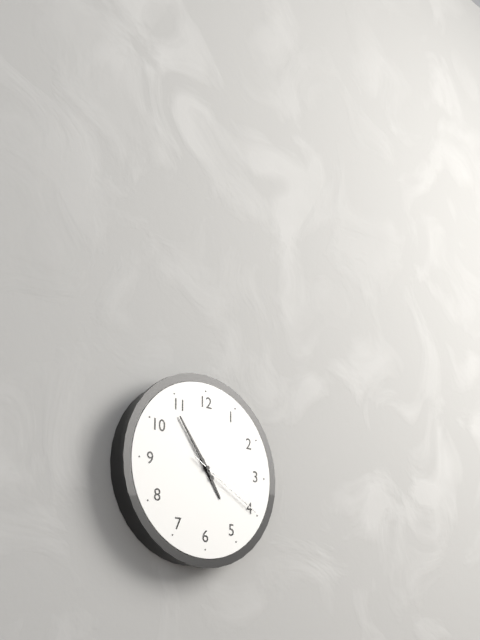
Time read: 4:54:20
